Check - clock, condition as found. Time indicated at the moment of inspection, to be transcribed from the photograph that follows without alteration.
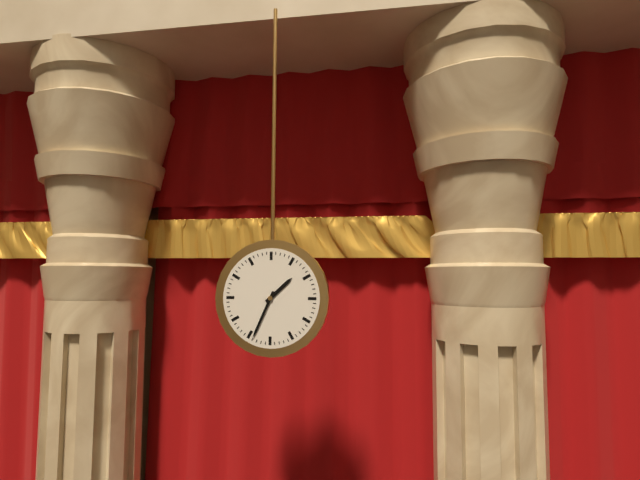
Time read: 1:34
